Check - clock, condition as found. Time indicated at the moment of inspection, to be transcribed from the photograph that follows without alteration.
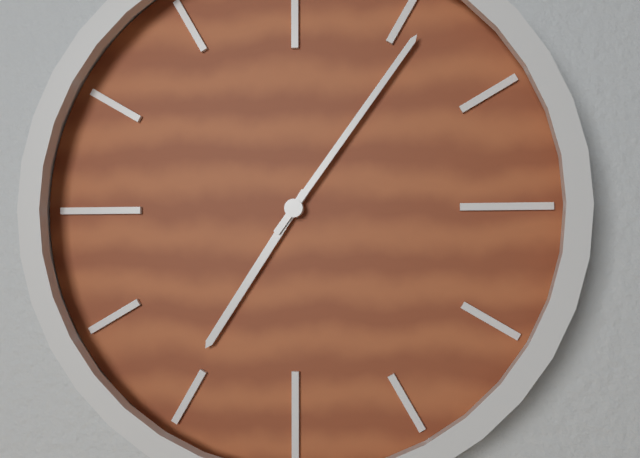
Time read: 7:06
